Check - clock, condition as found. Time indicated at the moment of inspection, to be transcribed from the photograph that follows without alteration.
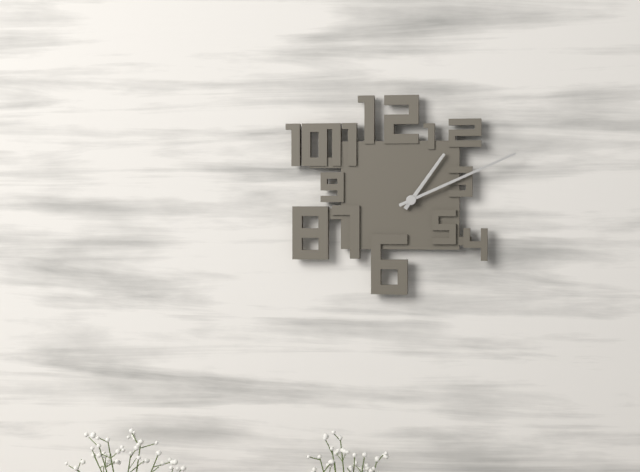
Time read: 1:11
